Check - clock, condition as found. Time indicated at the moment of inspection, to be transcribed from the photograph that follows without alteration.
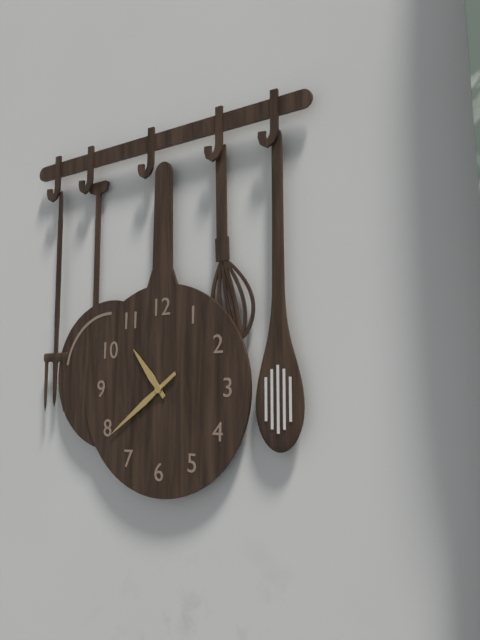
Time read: 10:39
